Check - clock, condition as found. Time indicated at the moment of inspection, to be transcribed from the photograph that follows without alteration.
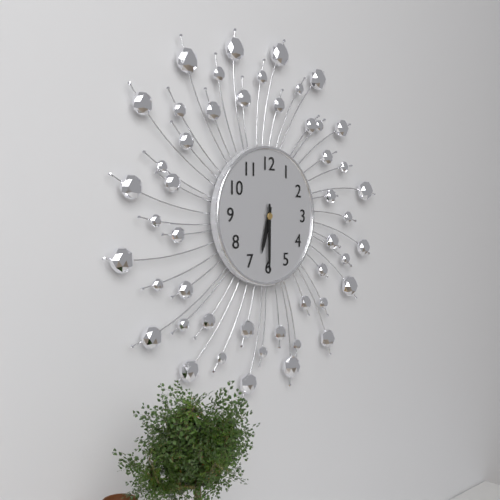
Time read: 6:30
